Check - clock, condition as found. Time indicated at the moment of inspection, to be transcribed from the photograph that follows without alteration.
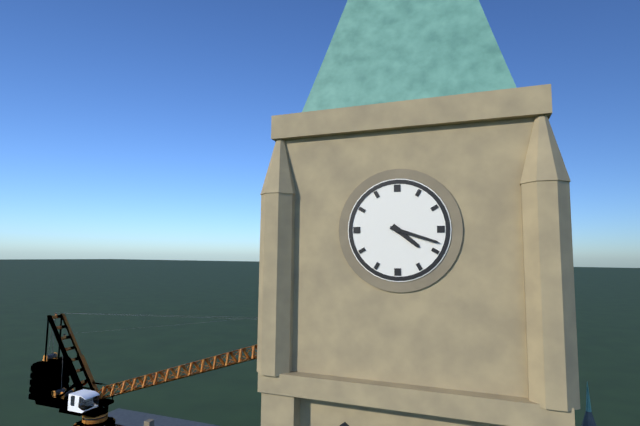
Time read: 4:18
